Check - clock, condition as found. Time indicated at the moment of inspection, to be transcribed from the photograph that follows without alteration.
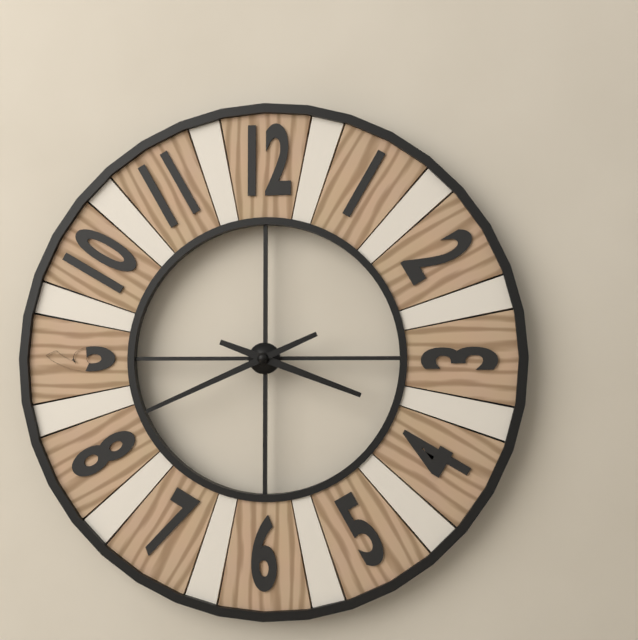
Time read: 3:41
